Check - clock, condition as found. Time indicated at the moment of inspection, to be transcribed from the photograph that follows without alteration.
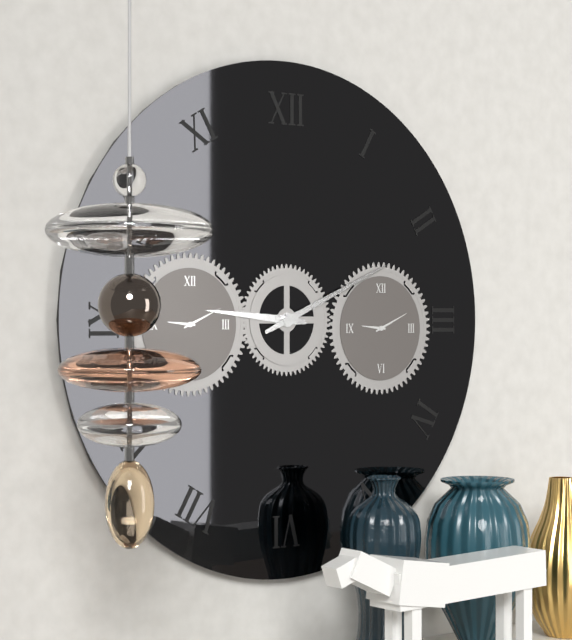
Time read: 9:11
